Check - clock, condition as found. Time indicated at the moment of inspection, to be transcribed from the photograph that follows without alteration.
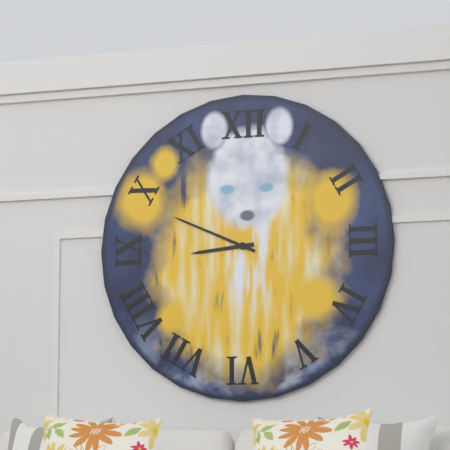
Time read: 8:49
